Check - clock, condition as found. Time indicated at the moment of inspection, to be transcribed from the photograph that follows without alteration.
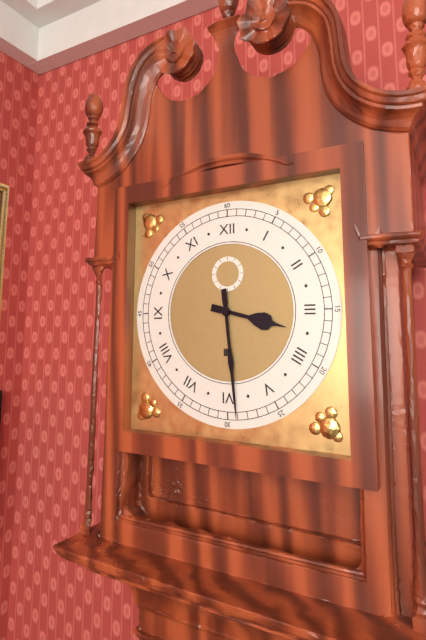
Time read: 3:29
